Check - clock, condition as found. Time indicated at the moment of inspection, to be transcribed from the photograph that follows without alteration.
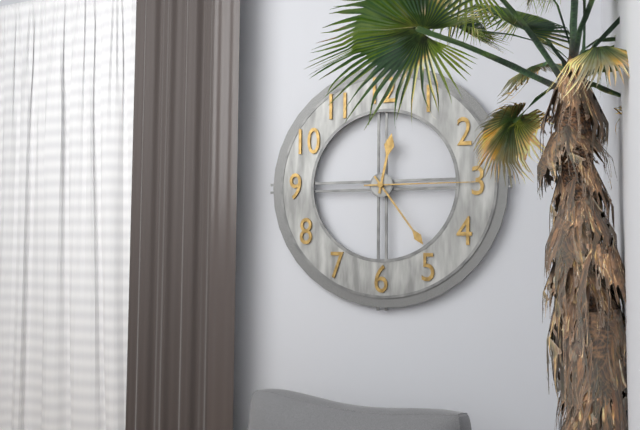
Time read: 12:24:15
